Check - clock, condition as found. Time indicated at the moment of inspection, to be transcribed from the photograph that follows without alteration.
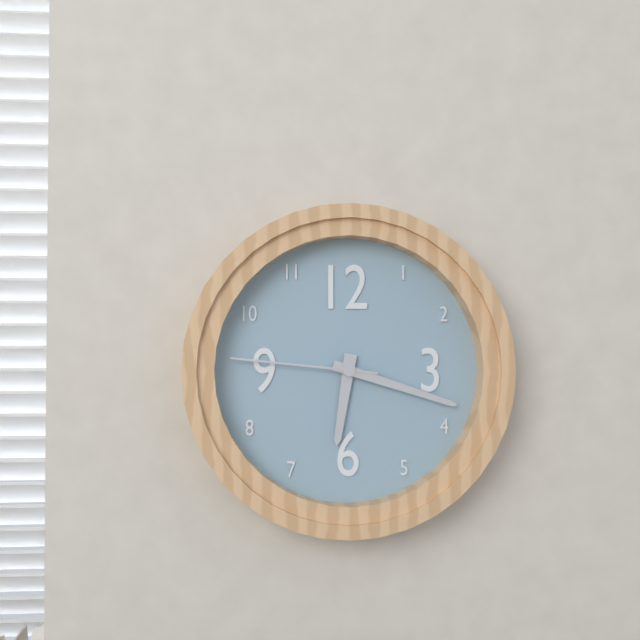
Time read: 6:18:46
